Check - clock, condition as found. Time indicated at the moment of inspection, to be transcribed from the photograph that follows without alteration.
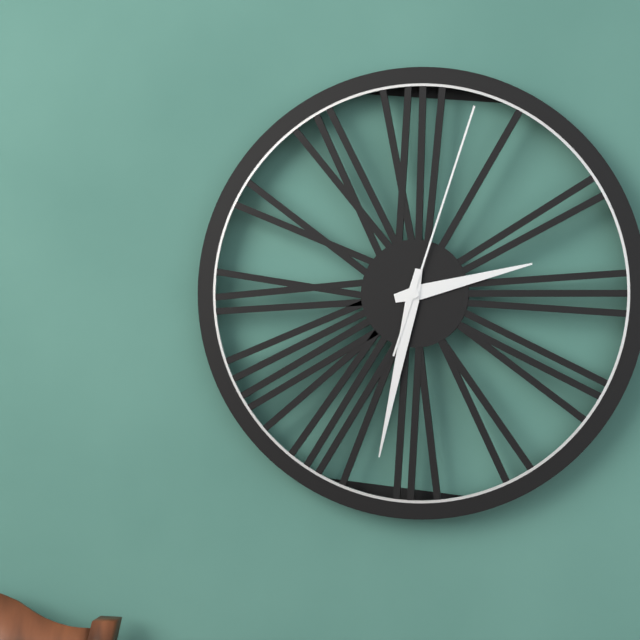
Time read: 2:32:03
